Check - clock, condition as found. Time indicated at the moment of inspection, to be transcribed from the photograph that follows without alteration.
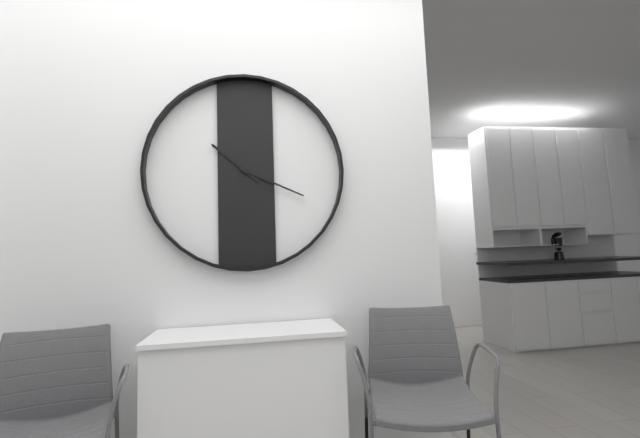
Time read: 10:19
